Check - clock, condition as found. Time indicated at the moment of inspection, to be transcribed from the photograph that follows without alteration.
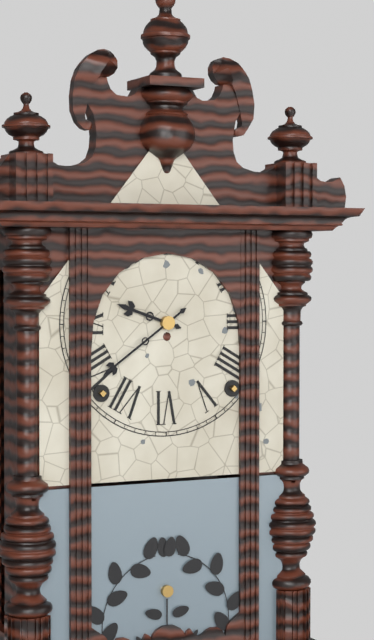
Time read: 9:39
